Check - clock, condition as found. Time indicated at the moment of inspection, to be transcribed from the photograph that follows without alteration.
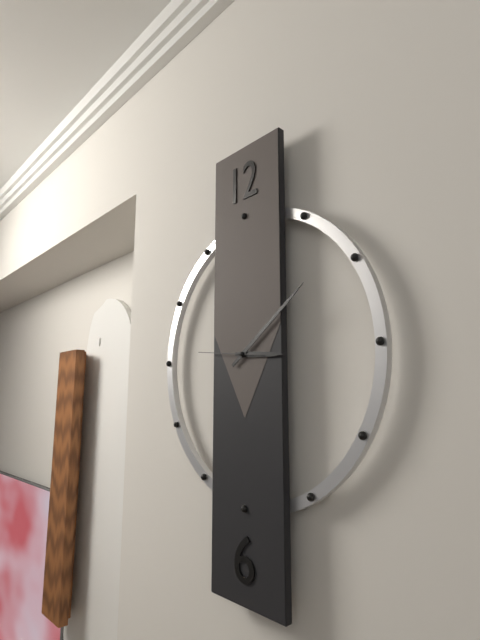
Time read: 3:09:46
